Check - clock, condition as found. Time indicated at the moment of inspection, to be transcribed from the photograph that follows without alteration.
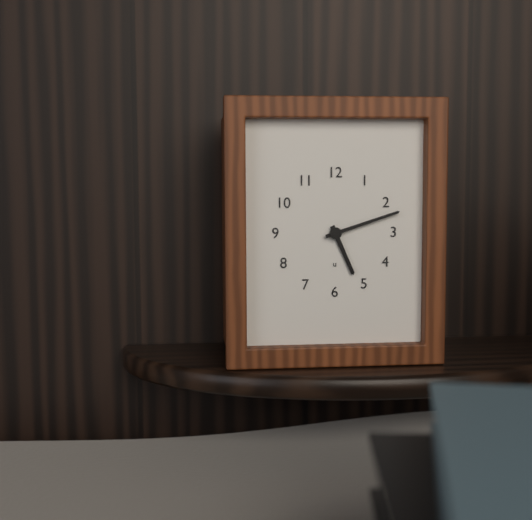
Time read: 5:12
